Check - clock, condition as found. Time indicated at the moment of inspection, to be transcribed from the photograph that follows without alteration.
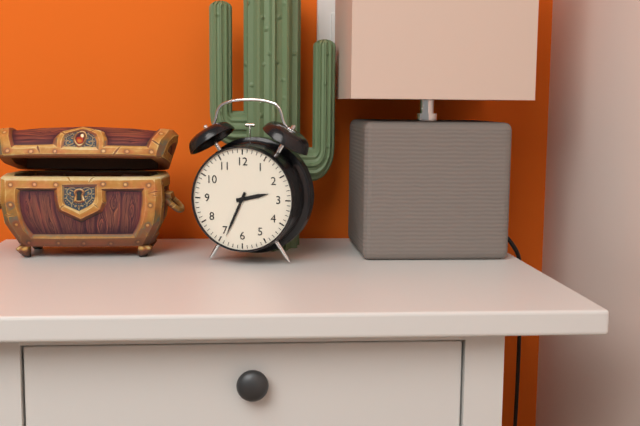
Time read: 2:34
